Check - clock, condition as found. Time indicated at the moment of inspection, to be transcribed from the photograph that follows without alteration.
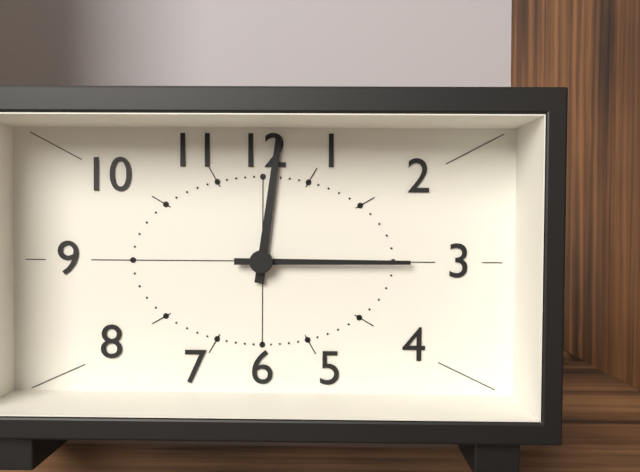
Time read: 12:15
